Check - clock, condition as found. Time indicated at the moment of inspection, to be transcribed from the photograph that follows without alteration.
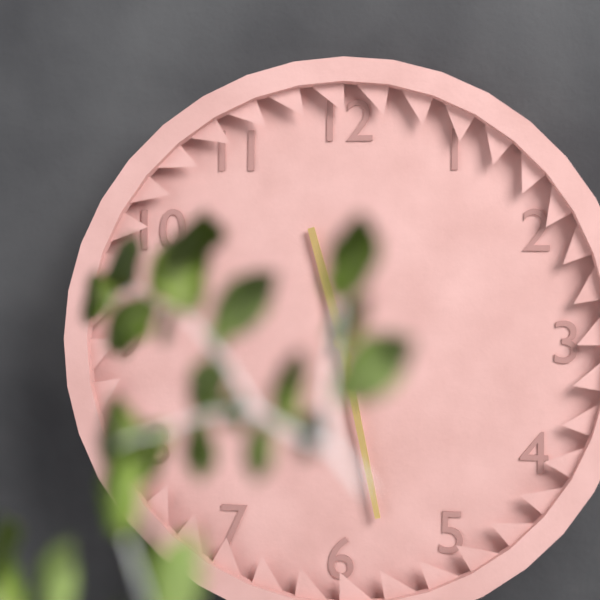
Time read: 11:28
